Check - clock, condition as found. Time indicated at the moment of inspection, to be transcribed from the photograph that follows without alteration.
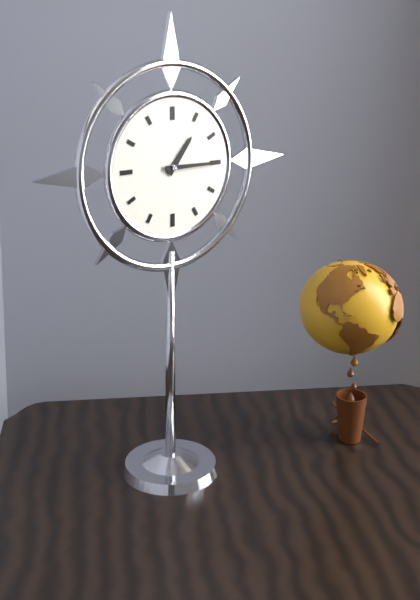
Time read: 1:15
